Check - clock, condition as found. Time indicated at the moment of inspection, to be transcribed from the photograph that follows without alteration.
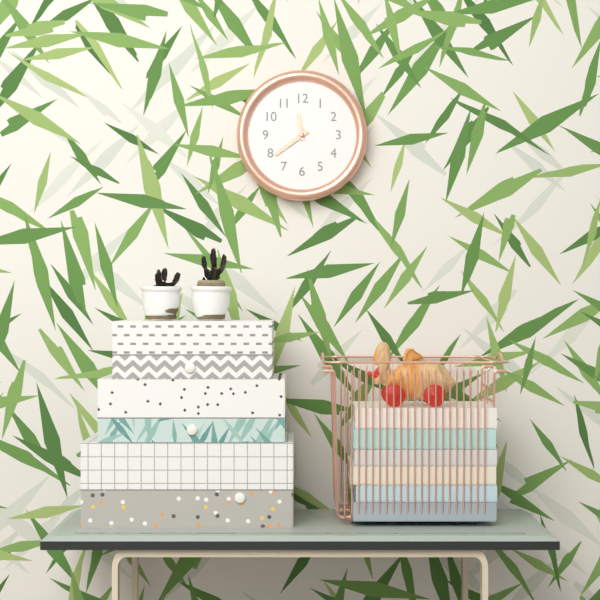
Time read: 11:39
